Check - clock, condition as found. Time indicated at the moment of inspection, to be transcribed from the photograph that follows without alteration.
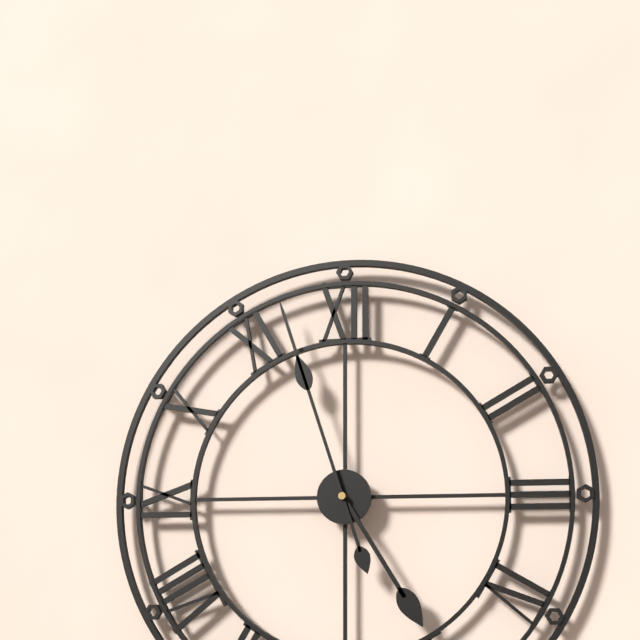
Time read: 4:57
